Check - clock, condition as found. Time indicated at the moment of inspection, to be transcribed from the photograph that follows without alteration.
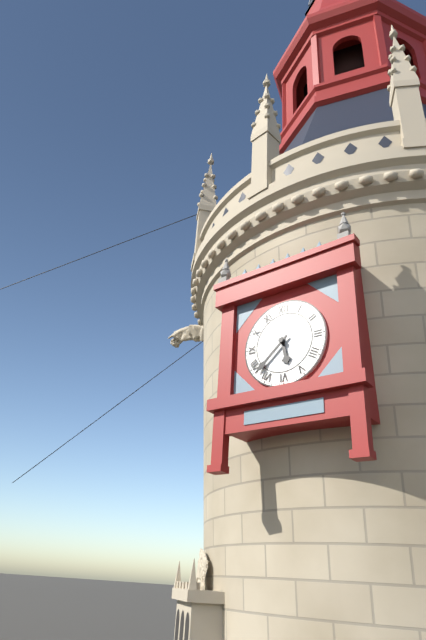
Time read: 5:38
